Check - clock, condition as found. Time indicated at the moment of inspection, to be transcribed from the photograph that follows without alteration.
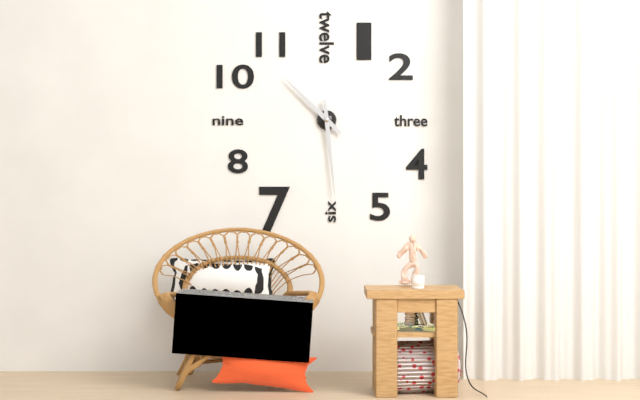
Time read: 10:29
